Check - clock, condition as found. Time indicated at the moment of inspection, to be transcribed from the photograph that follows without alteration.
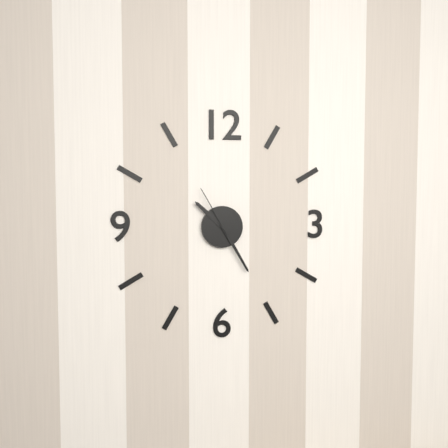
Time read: 10:25:55
